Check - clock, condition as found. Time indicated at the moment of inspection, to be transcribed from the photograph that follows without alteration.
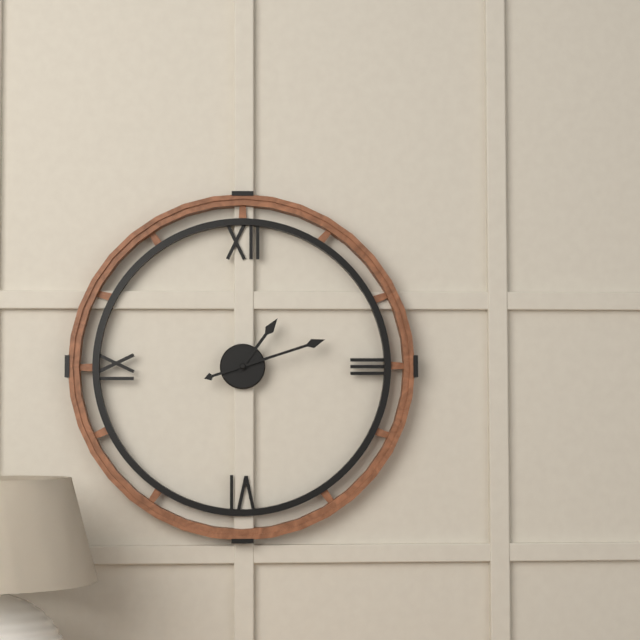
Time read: 1:12
